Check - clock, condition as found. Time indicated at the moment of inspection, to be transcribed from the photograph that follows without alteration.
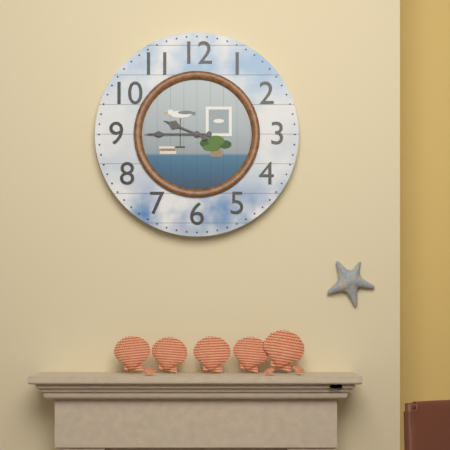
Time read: 9:45
